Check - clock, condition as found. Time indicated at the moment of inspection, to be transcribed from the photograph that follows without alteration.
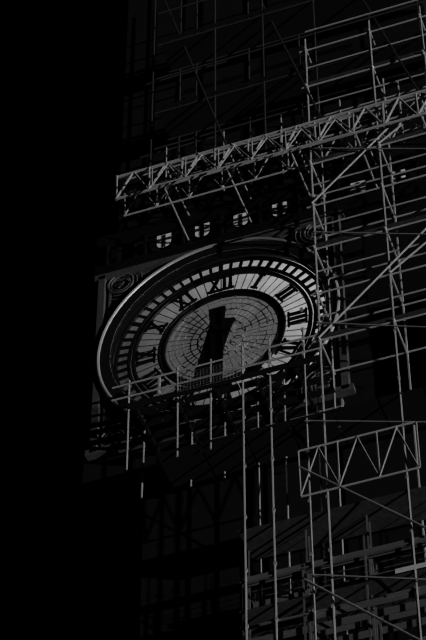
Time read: 6:30
